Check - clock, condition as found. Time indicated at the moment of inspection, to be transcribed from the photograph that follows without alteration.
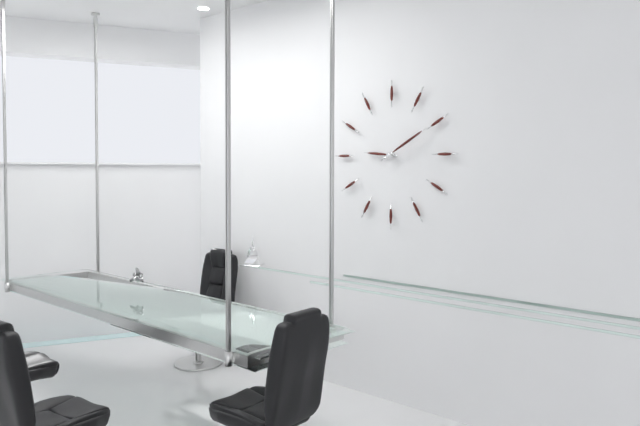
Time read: 9:10
